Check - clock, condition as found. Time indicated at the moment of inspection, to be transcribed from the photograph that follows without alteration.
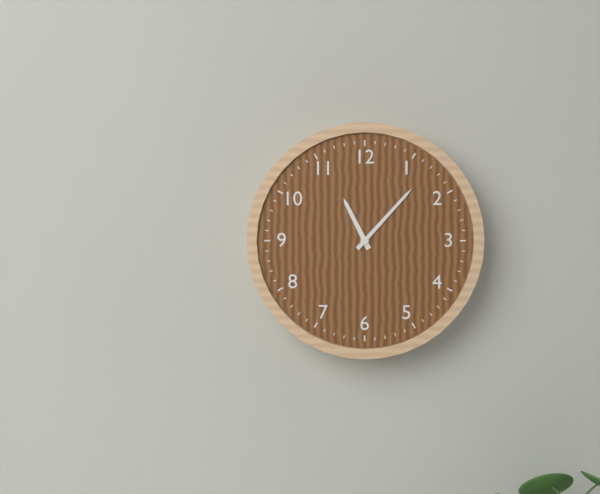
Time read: 11:07
